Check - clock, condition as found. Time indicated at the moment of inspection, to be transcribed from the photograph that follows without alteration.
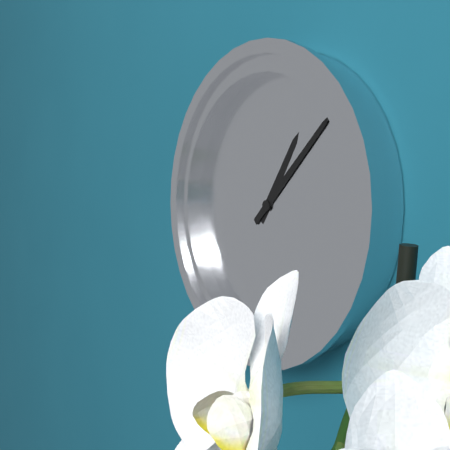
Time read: 1:08
